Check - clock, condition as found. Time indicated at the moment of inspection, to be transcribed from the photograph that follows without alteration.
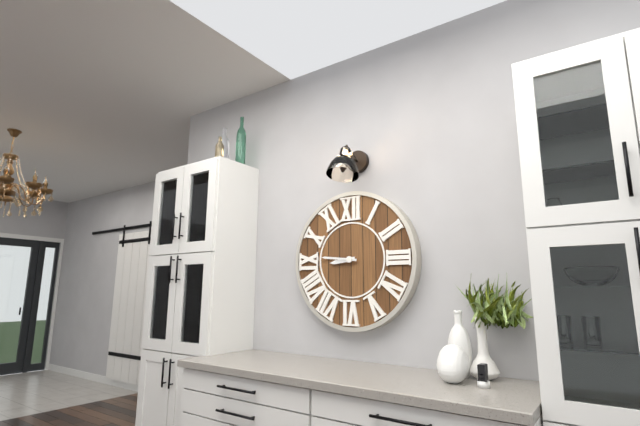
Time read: 8:46
